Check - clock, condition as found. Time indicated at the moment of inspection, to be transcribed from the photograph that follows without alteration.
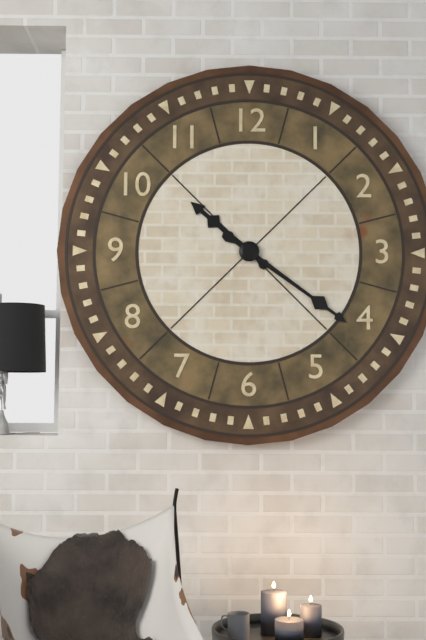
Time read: 10:21
